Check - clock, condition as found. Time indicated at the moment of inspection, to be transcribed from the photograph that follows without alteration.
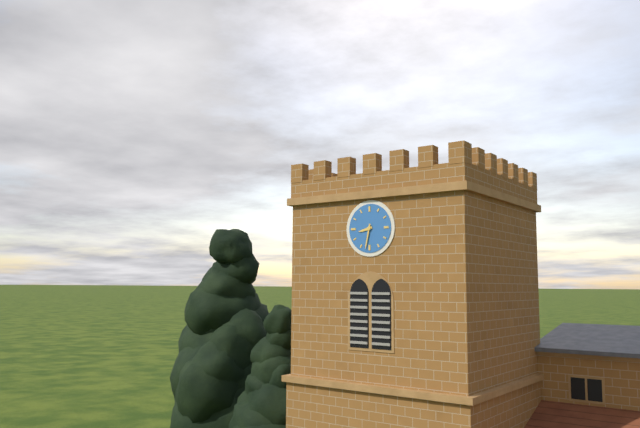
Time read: 8:32
